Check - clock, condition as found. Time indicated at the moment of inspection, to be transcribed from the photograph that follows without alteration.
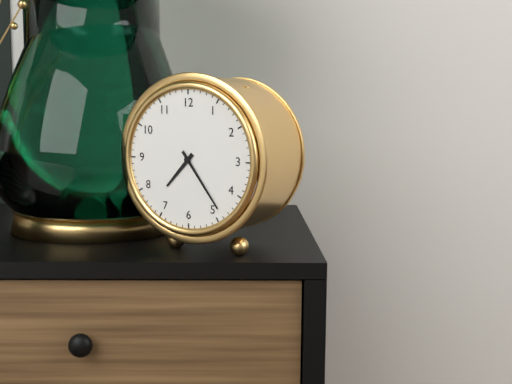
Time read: 7:24
